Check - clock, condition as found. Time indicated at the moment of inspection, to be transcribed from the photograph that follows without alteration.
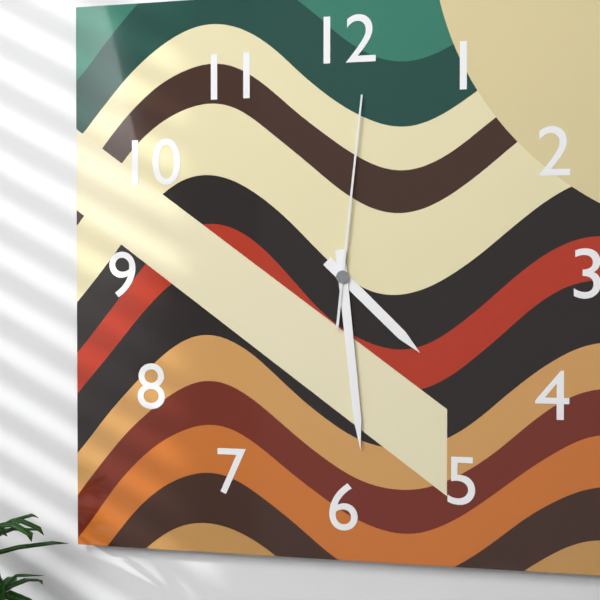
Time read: 4:29:01
